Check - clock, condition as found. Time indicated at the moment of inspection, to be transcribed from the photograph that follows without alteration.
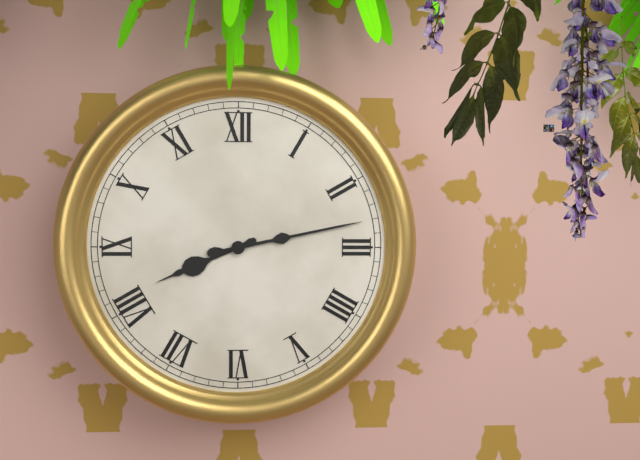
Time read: 8:13
